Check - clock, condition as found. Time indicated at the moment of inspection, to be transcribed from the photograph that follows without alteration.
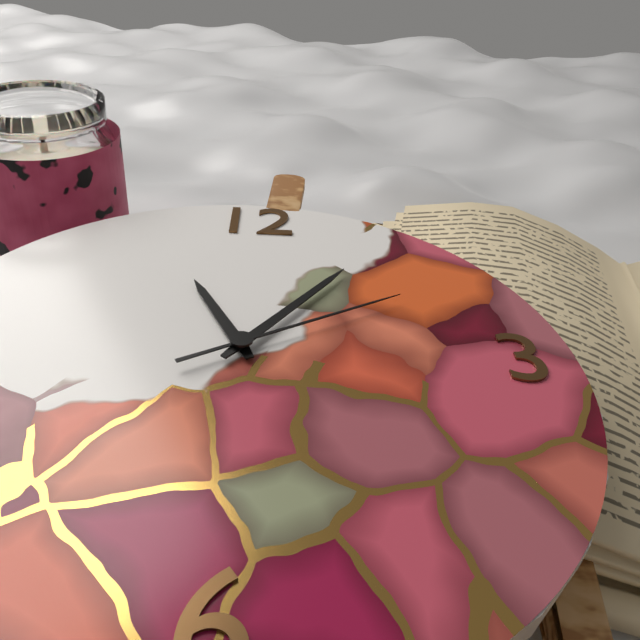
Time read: 11:06:10
